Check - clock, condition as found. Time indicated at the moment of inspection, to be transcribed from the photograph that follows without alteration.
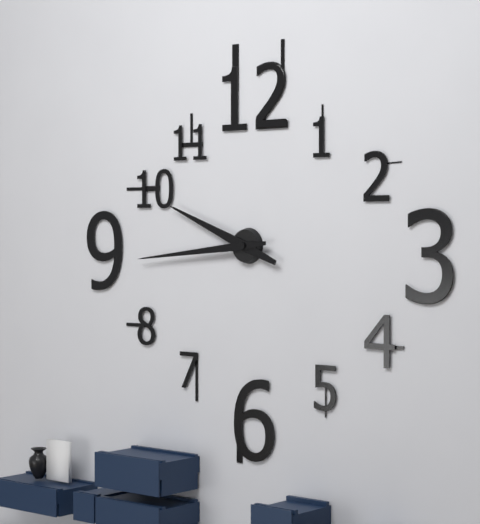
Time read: 9:44
